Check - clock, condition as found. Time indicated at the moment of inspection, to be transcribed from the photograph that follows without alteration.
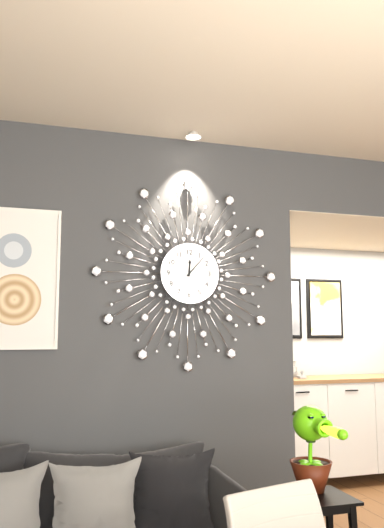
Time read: 12:07
